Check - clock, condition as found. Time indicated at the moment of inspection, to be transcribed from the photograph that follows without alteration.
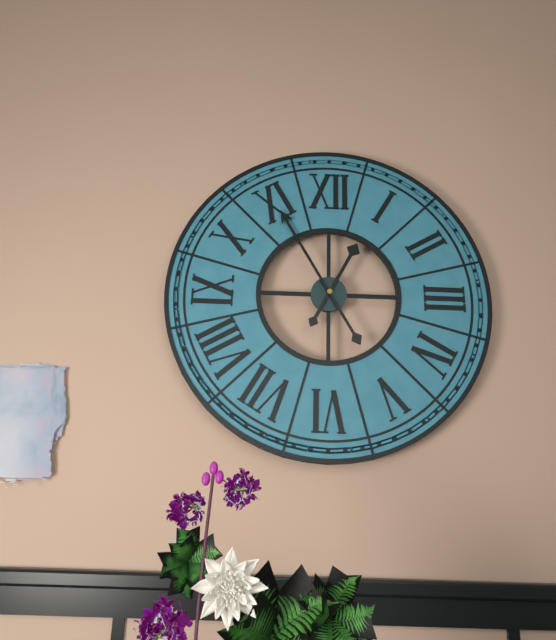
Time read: 12:55
